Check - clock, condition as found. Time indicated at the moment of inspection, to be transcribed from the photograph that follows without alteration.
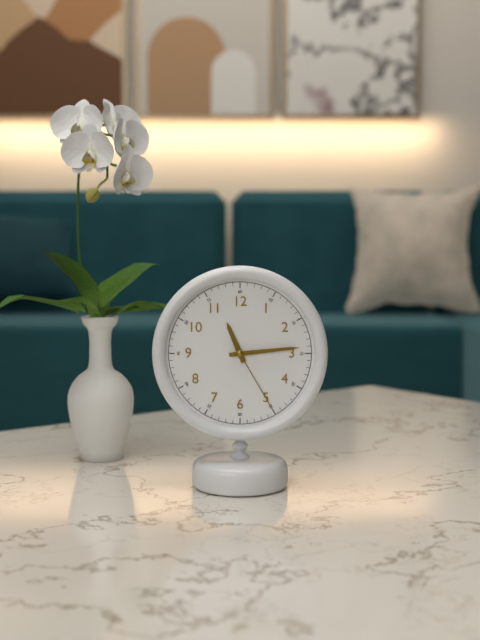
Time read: 11:14:25
